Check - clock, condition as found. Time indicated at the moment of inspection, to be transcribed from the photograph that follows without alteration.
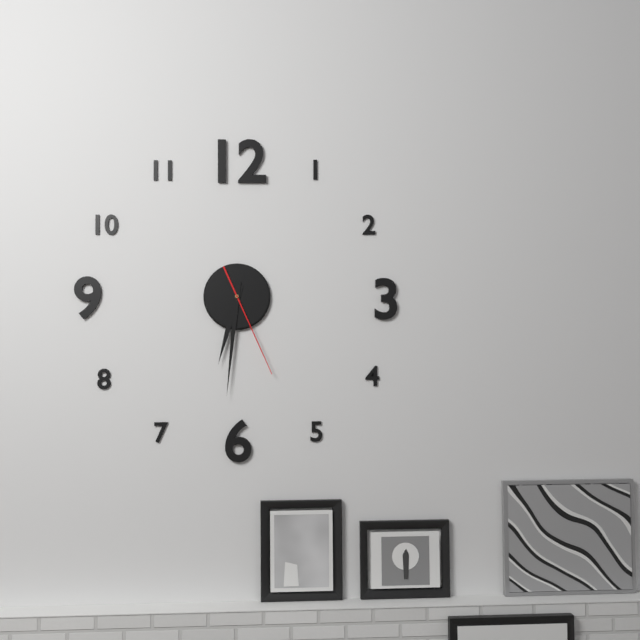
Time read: 6:31:26
